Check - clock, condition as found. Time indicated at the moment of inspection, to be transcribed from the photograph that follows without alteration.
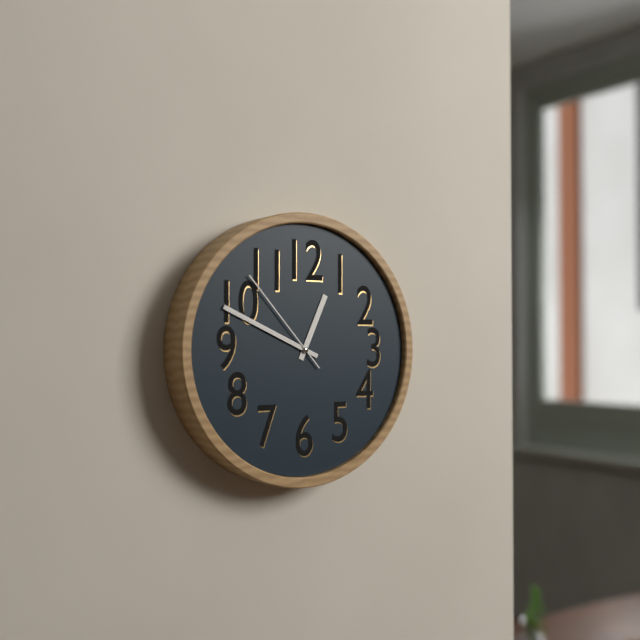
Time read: 12:49:53
